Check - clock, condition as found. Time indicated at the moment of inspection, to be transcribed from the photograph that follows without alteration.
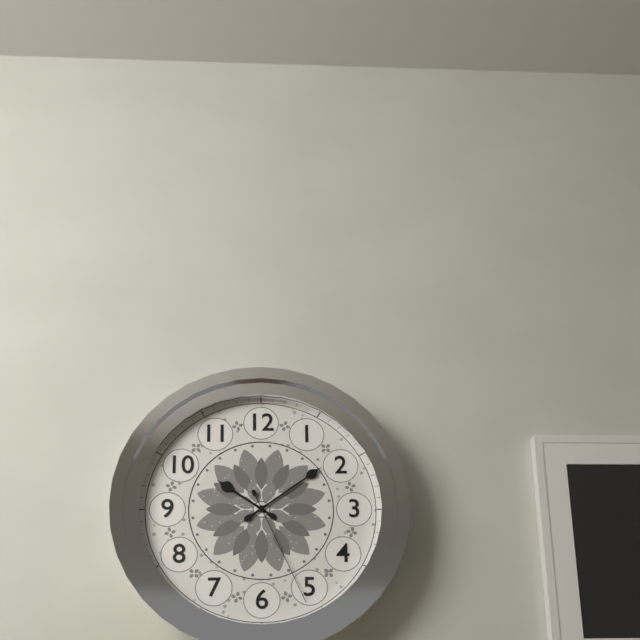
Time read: 10:09:26
